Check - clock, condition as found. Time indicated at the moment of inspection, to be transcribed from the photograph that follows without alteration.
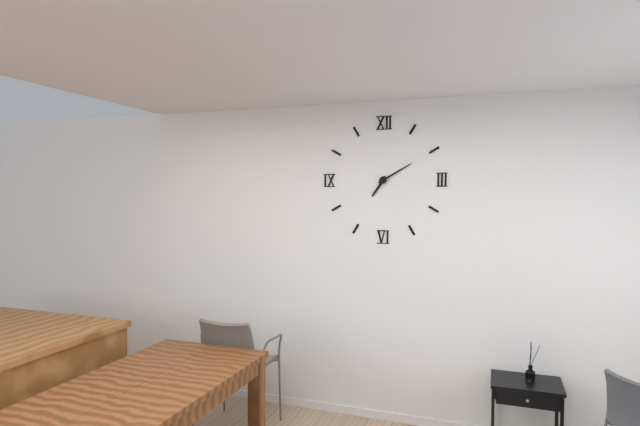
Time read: 7:10
